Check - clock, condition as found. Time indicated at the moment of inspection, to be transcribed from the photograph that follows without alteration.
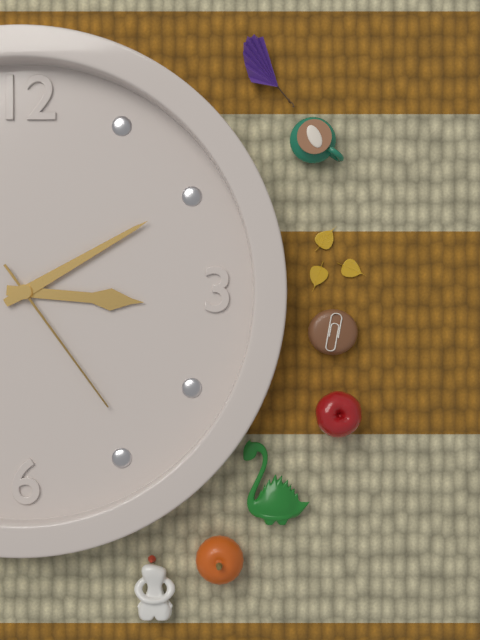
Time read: 3:10:24
